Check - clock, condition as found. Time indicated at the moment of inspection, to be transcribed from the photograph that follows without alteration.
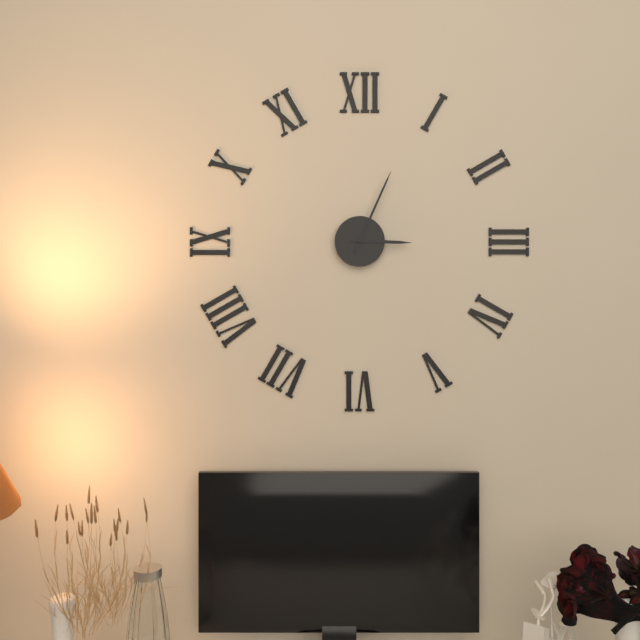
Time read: 3:04
